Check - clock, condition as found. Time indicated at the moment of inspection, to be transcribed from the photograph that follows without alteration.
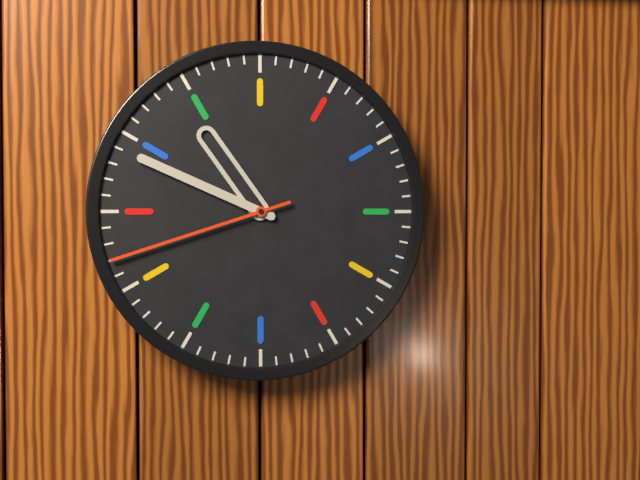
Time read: 10:49:42
